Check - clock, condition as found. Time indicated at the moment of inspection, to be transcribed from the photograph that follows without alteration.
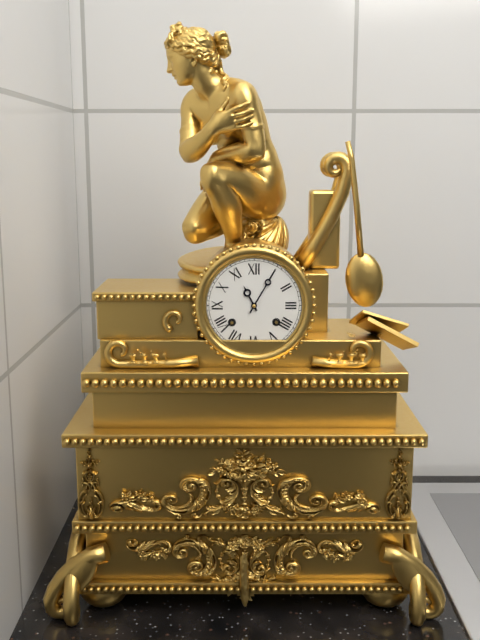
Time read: 11:05
